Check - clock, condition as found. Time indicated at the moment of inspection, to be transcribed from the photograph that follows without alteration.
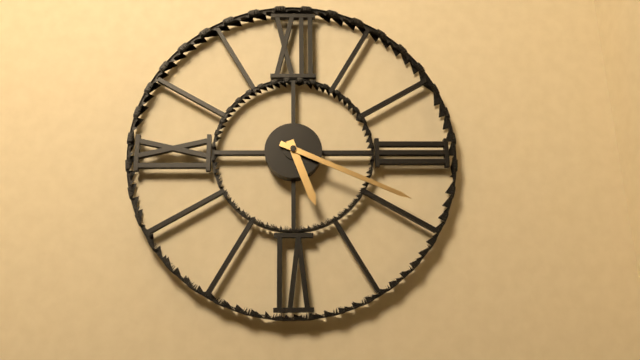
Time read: 5:19
